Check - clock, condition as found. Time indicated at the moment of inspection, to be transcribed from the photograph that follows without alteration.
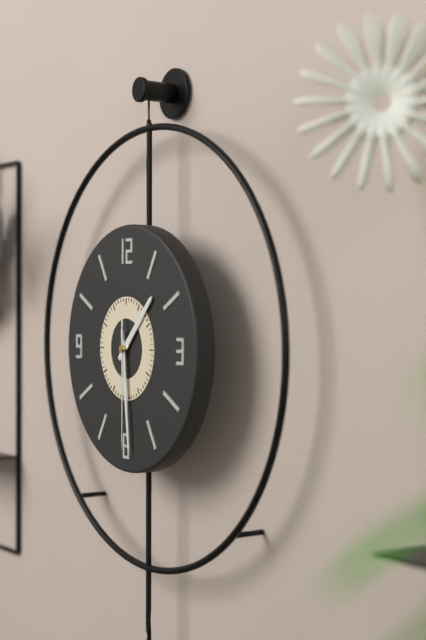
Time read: 1:29:30
